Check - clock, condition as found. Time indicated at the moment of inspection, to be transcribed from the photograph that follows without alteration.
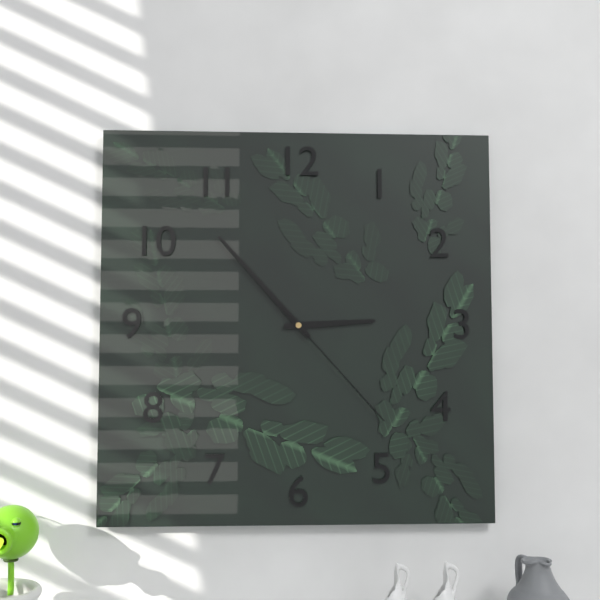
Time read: 2:53:23
